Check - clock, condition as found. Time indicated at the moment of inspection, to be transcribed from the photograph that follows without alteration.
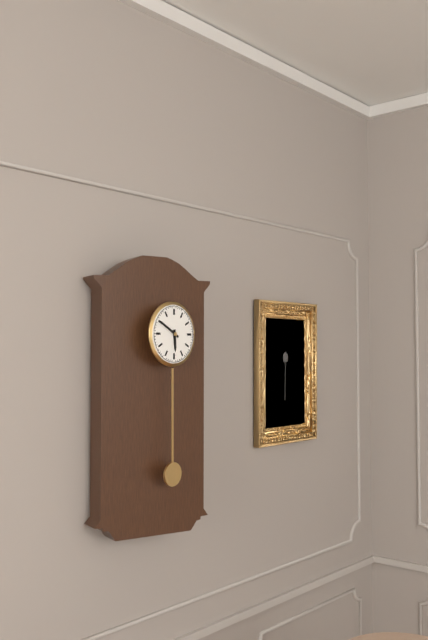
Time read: 5:50
